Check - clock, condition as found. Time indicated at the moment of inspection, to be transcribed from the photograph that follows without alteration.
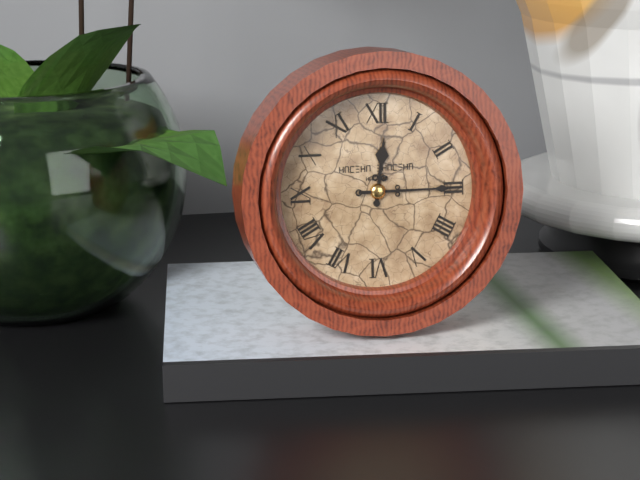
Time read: 12:15
